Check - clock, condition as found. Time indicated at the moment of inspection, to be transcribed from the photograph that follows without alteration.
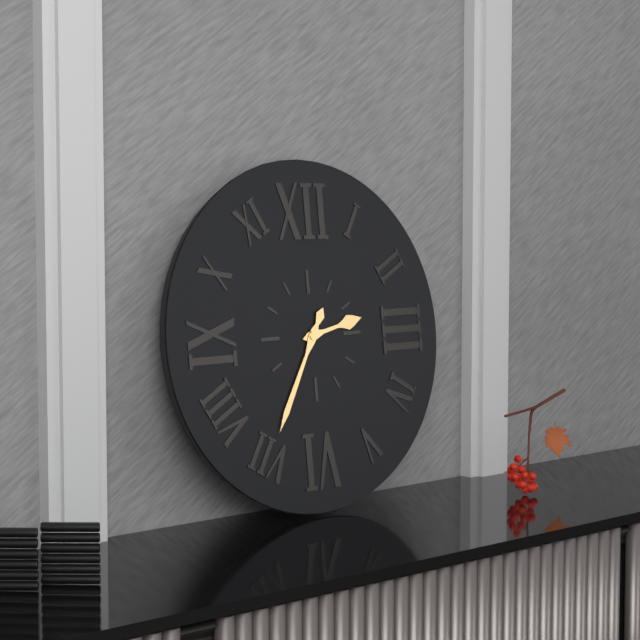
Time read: 2:35
